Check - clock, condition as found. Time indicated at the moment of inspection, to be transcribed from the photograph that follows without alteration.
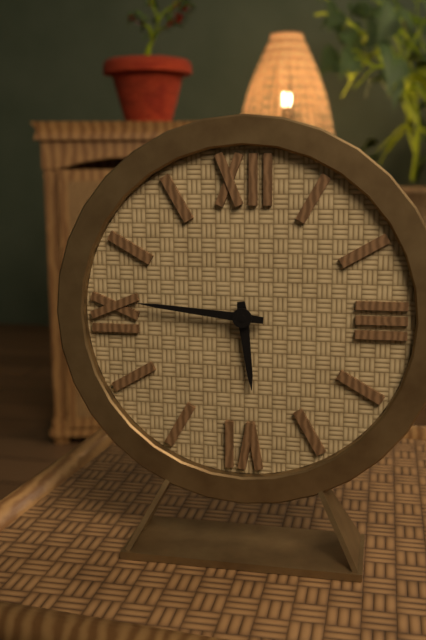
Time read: 5:46
